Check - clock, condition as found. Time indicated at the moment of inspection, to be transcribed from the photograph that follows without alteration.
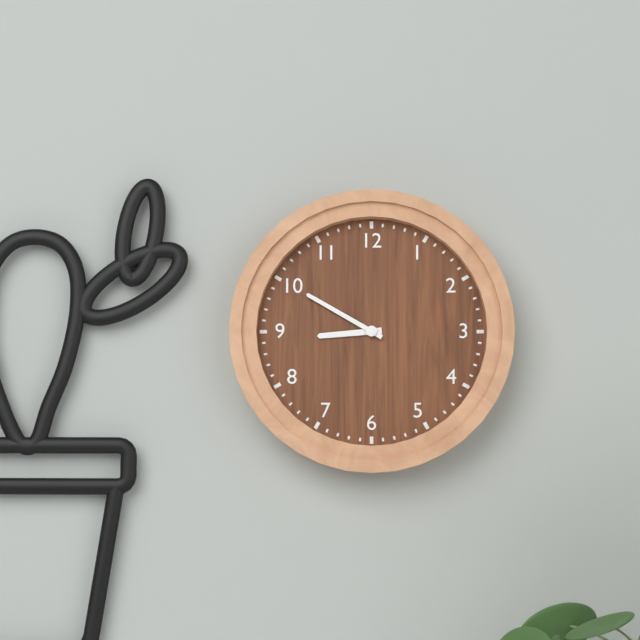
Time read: 8:50
